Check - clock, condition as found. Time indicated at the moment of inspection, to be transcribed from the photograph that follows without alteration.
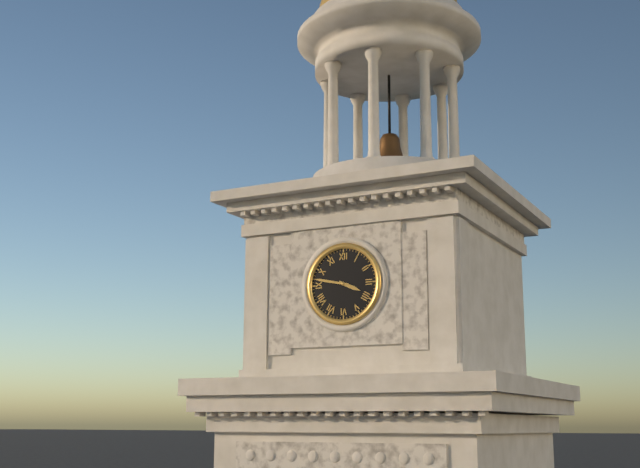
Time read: 3:47
